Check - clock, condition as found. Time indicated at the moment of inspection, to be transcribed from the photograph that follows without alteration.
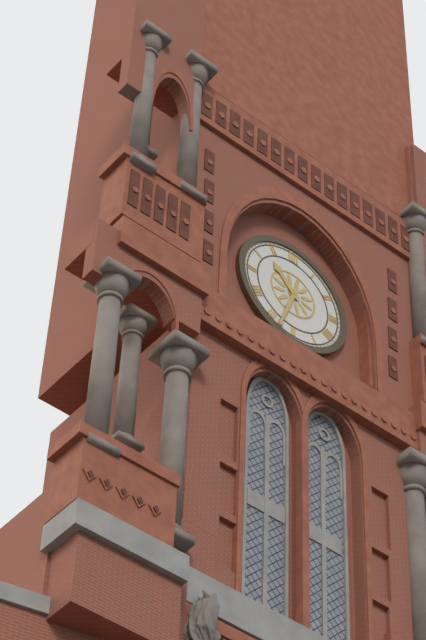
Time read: 10:33
